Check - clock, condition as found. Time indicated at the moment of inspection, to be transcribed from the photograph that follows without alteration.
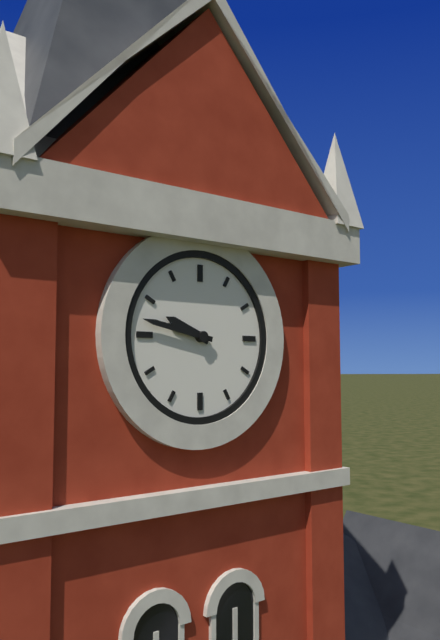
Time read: 9:47
